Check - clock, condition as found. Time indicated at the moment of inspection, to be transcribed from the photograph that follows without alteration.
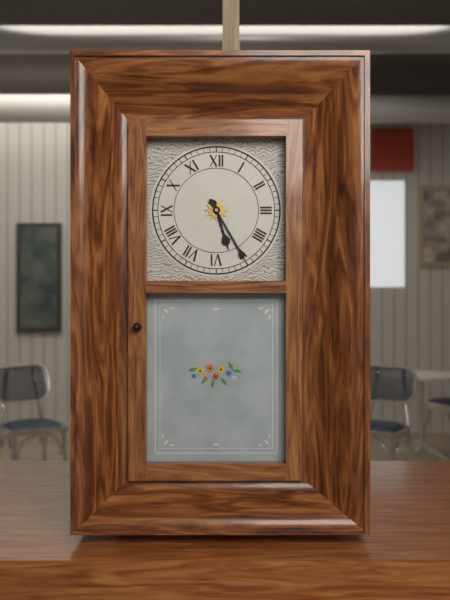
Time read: 5:25
